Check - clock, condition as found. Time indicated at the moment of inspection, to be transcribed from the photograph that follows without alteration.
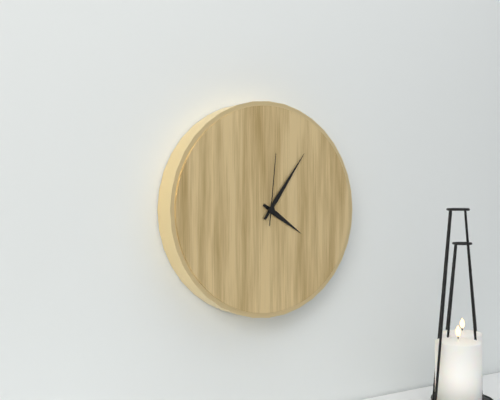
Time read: 4:06:01
